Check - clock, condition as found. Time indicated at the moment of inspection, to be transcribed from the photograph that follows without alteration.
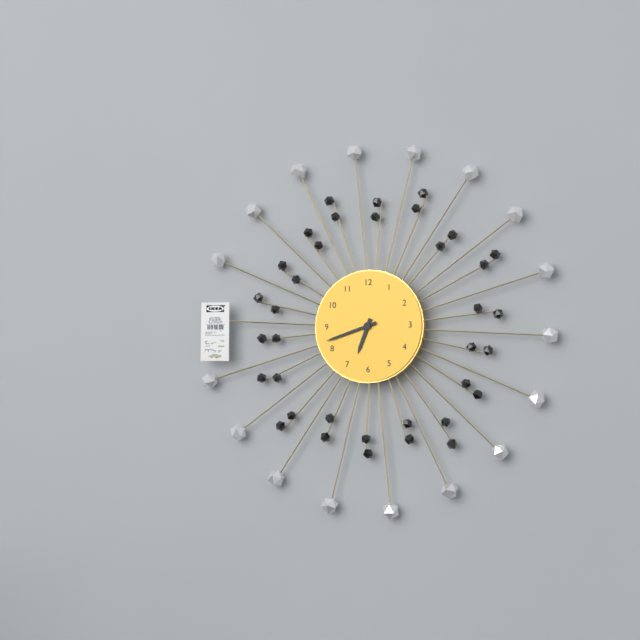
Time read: 6:42
